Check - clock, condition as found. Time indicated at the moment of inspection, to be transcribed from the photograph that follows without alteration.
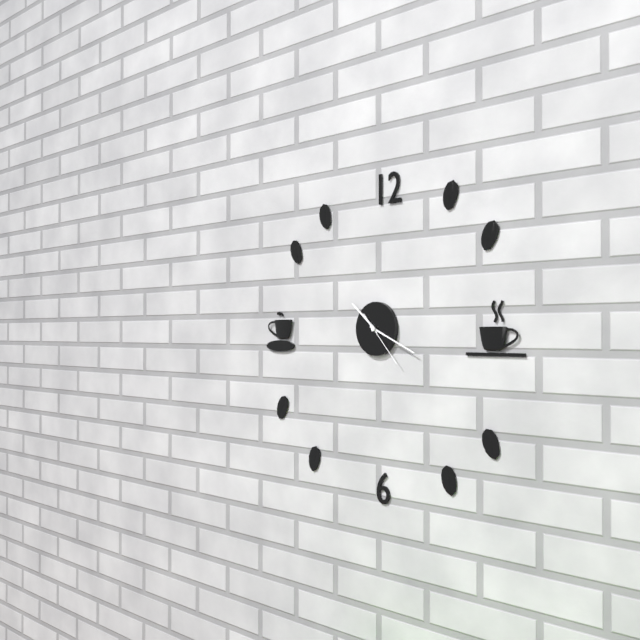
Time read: 10:19:23
